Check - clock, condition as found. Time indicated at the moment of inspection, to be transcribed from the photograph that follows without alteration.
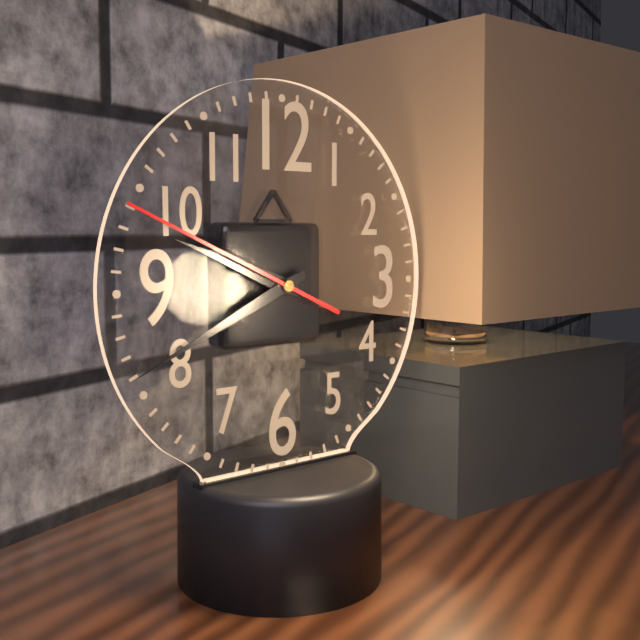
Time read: 9:41:49
